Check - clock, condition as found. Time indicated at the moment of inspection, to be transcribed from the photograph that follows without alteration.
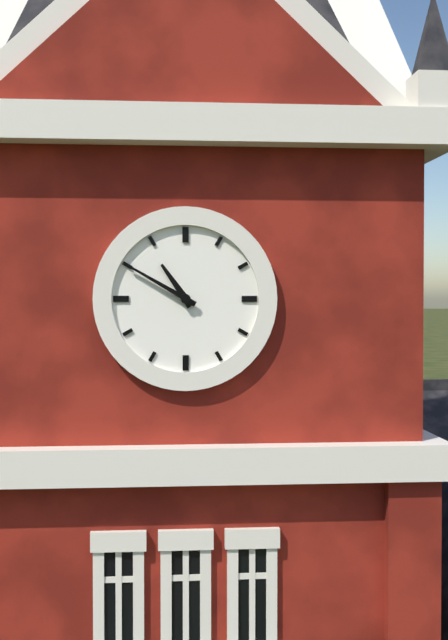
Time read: 10:50
